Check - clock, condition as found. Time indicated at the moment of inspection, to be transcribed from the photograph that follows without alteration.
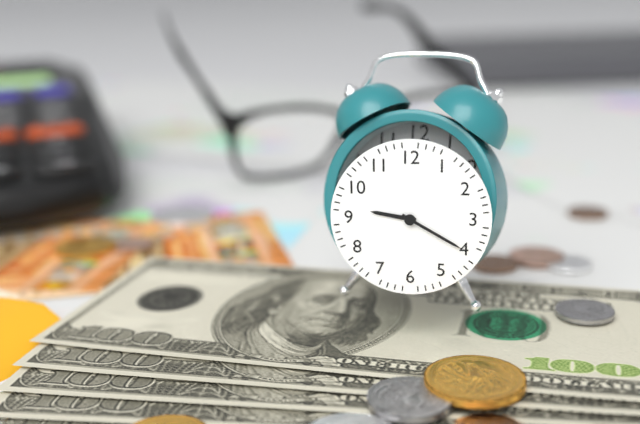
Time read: 9:20
